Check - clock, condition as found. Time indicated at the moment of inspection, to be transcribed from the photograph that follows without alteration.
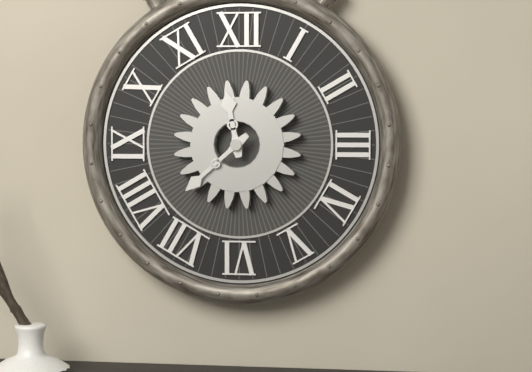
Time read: 11:38
